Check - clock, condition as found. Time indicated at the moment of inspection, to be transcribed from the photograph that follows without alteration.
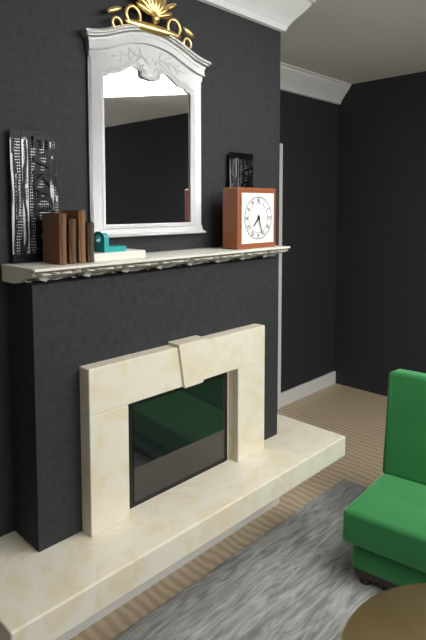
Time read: 7:27
